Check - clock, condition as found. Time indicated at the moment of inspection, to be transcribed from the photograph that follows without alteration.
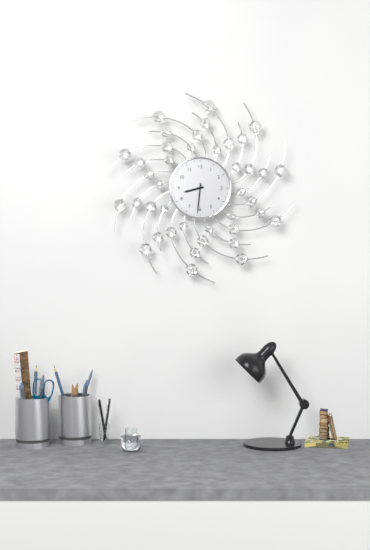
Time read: 8:31
